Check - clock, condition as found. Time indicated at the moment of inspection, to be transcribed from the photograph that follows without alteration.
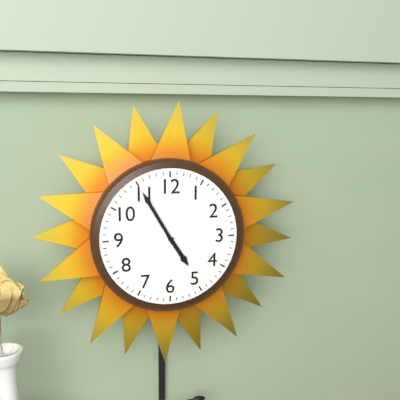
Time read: 4:55
